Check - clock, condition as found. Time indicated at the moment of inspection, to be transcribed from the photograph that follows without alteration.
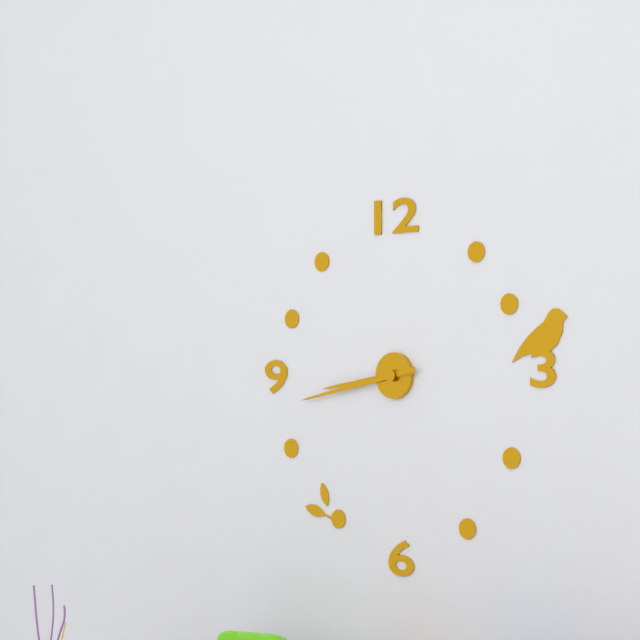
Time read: 8:43
